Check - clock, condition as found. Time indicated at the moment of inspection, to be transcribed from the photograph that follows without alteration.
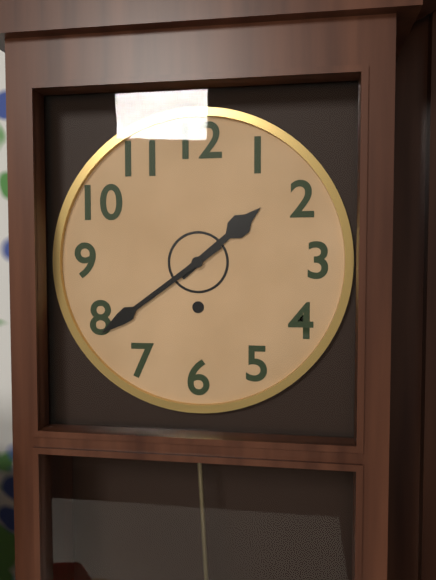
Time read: 1:39
